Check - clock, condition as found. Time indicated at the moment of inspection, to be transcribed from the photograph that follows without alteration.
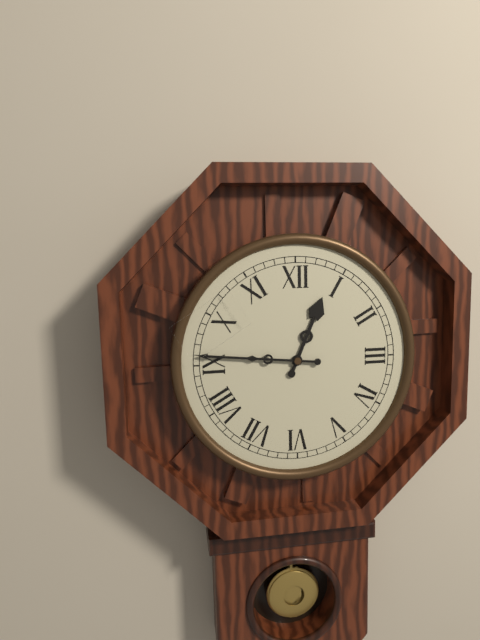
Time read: 12:46
